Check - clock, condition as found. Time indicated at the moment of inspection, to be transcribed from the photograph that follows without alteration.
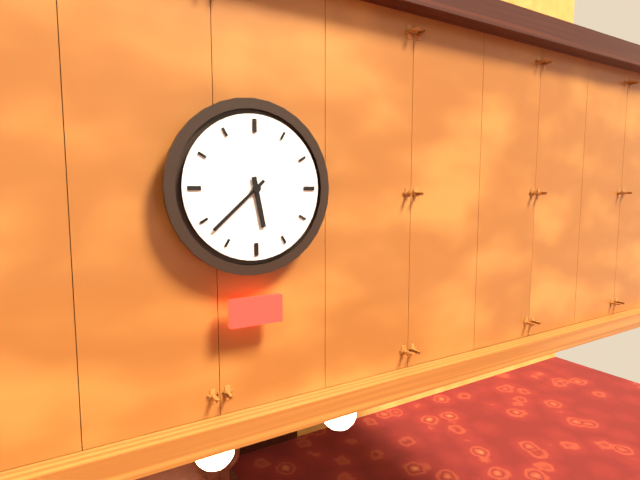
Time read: 5:38
